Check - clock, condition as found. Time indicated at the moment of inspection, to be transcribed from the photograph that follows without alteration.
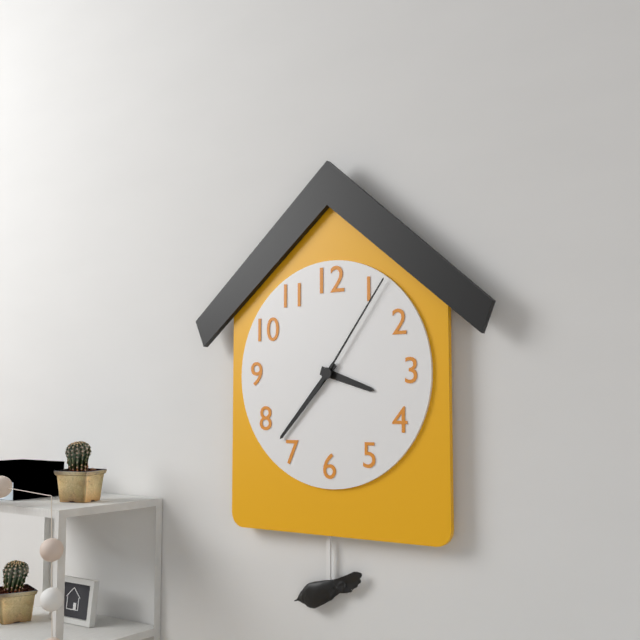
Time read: 3:37:06
